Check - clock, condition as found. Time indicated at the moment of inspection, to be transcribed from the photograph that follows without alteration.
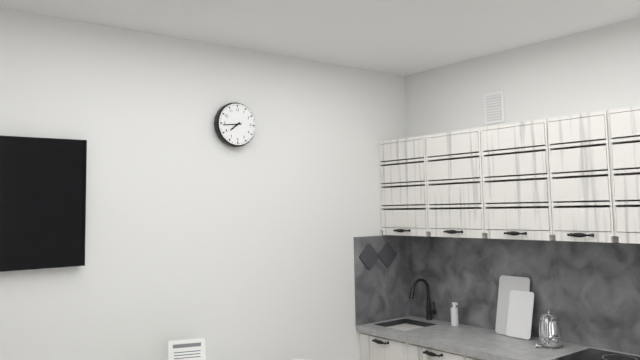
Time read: 7:44
